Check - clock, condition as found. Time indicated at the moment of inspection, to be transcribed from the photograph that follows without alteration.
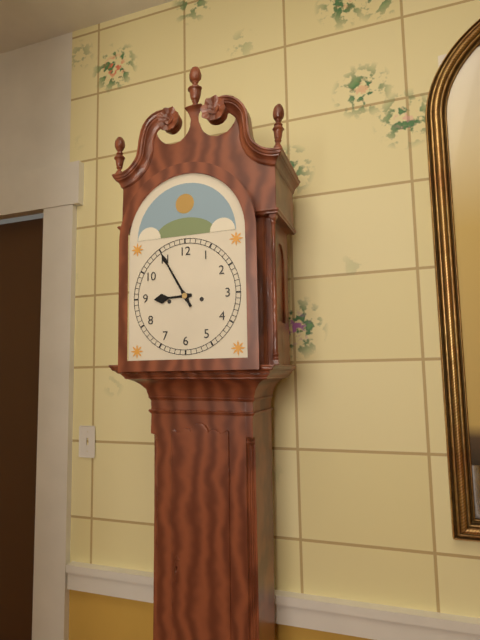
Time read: 8:55
